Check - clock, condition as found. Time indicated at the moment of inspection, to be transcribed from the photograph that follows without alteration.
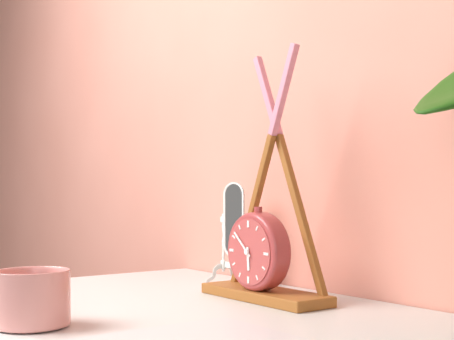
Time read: 5:52
